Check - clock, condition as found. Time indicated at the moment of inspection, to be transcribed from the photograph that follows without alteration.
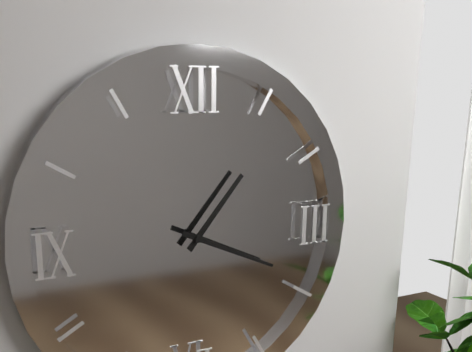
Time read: 1:19
